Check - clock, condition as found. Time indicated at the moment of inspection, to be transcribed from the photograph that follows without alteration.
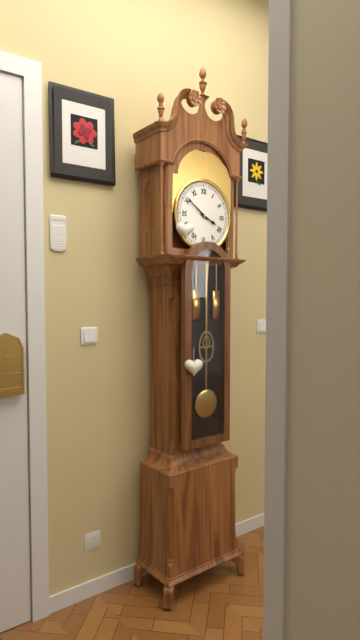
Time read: 3:51
